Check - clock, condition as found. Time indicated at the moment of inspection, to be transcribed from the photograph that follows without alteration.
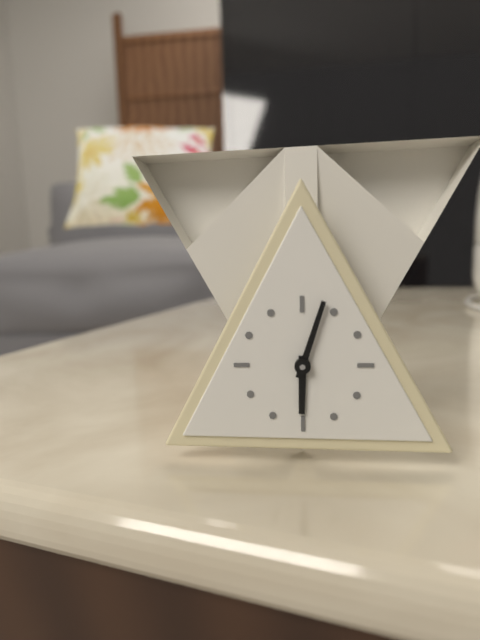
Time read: 6:03
